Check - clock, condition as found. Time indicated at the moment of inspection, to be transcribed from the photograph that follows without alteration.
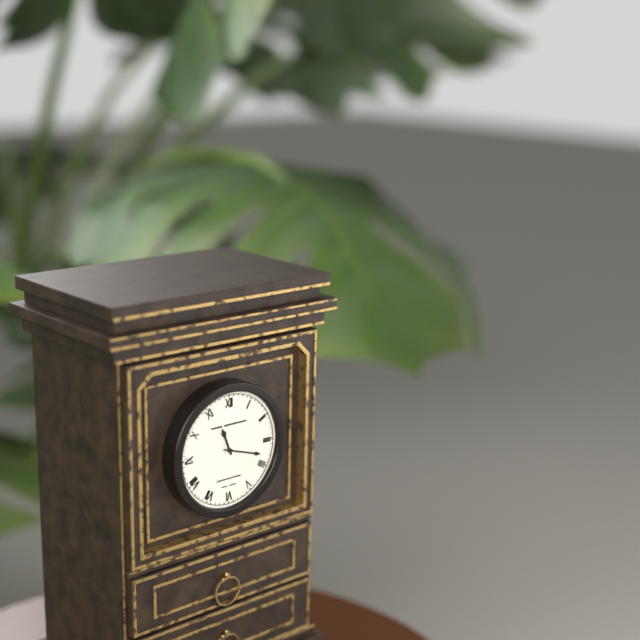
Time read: 11:18
